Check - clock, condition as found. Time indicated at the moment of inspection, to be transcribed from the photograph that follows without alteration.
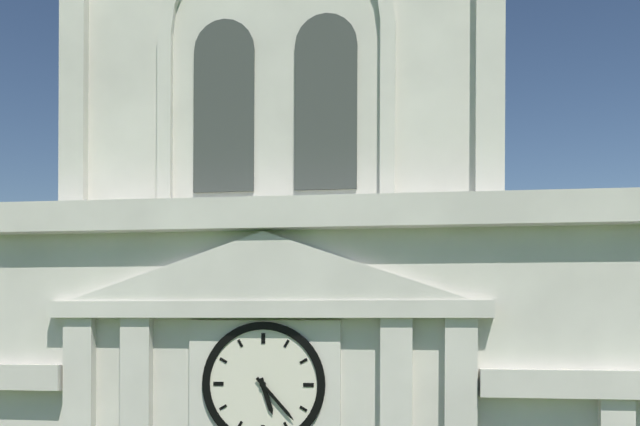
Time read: 5:23
